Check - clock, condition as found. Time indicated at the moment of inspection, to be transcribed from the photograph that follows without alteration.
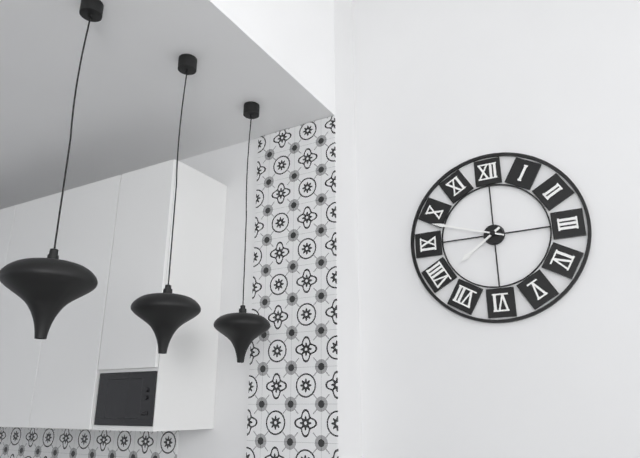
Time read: 7:48
